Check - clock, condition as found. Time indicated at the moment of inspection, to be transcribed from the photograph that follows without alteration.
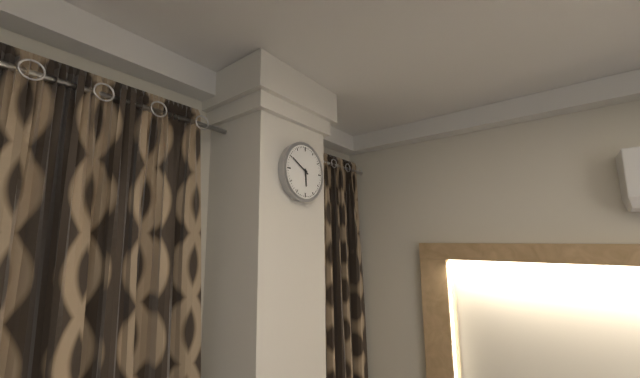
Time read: 5:50
